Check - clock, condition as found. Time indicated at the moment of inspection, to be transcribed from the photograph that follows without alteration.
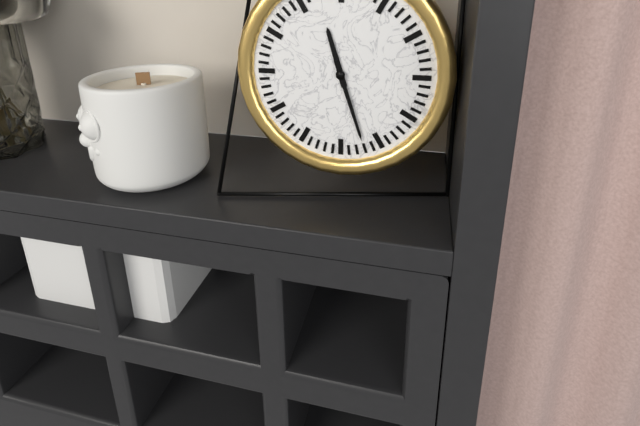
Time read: 11:27
